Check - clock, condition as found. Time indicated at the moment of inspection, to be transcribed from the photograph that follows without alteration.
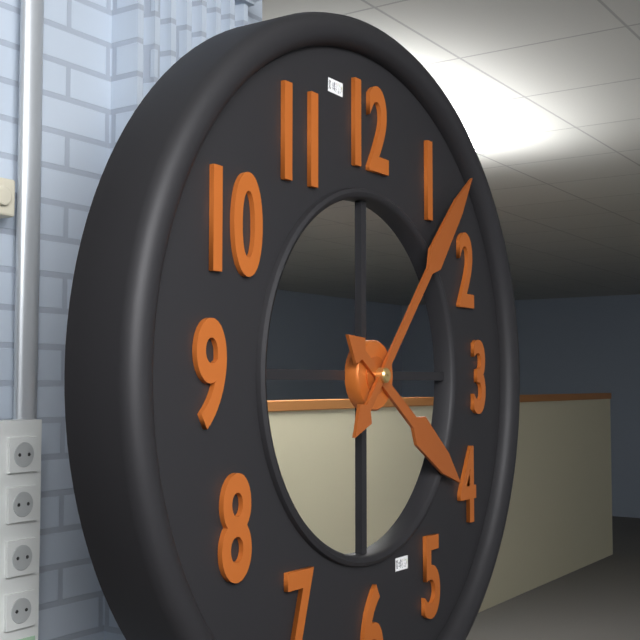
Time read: 4:07
